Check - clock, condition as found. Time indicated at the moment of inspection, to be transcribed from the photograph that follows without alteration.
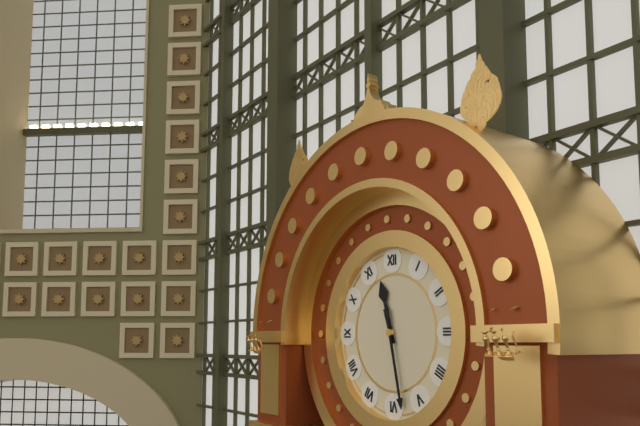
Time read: 11:28
